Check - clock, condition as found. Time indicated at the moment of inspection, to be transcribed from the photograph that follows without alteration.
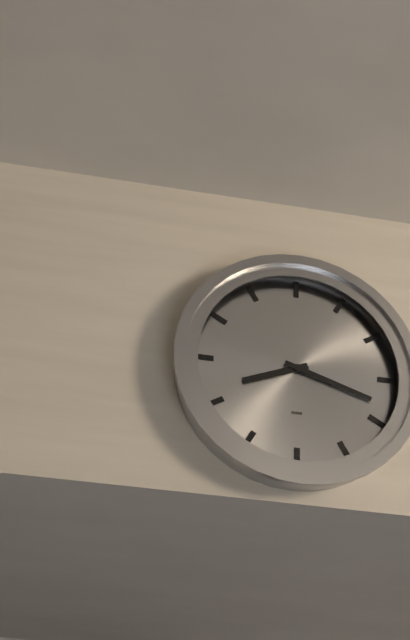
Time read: 8:18
